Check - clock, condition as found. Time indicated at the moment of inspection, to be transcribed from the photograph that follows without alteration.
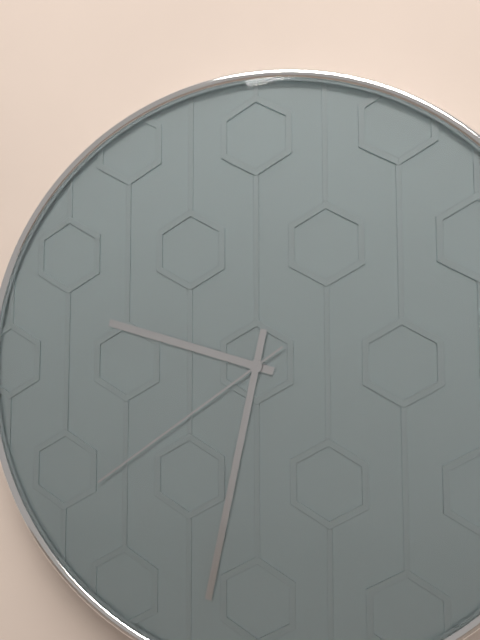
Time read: 9:32:39
